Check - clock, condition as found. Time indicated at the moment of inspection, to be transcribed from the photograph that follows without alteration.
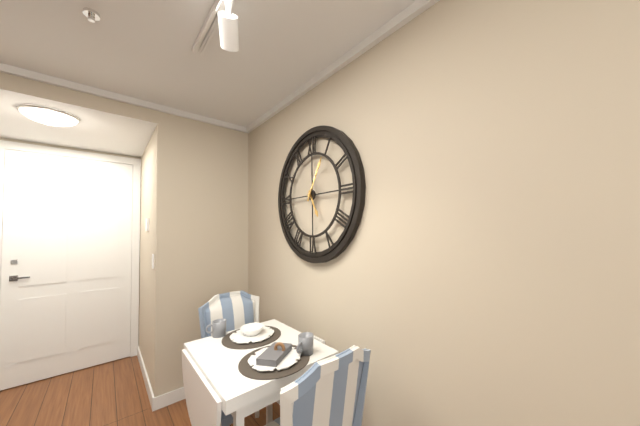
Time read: 5:05
